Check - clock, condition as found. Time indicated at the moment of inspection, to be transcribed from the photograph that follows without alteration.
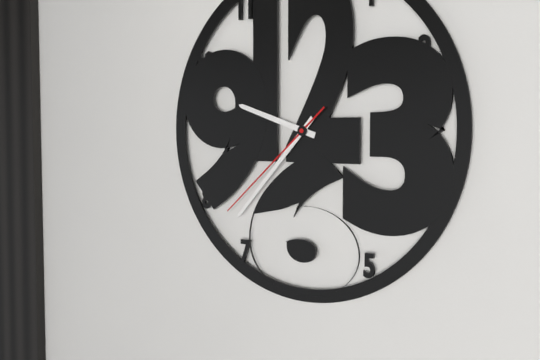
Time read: 9:37:38
